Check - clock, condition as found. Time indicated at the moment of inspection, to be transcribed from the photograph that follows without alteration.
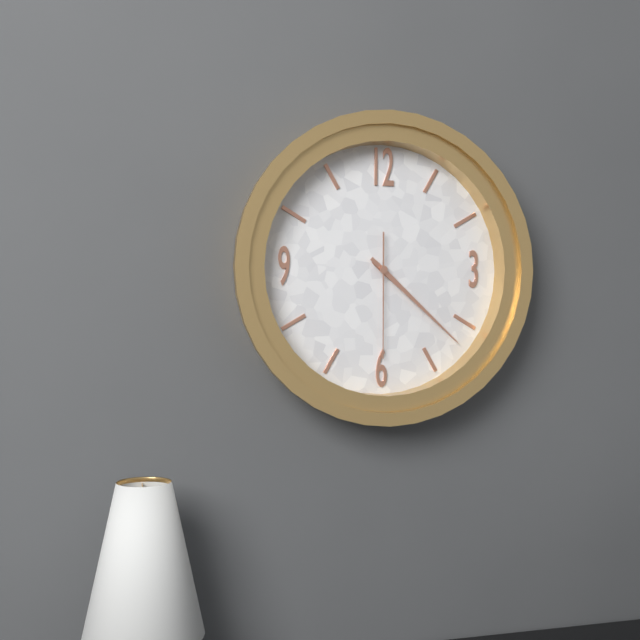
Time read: 4:22:30
